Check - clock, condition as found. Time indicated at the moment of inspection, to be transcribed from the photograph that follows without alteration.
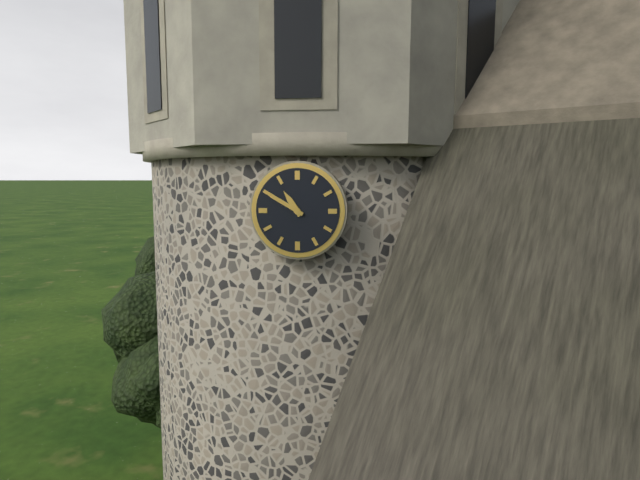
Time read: 10:50
